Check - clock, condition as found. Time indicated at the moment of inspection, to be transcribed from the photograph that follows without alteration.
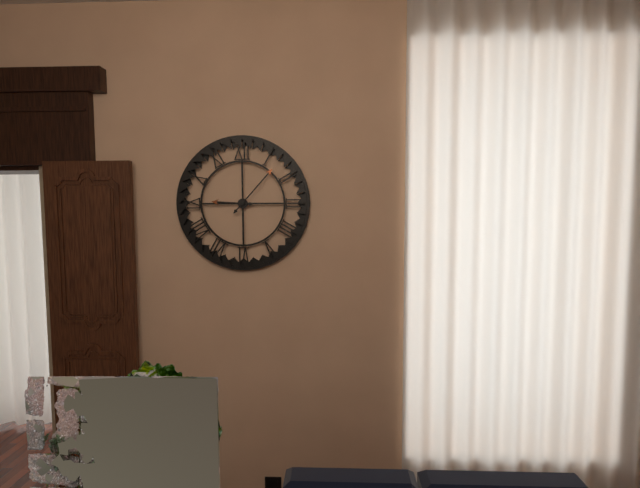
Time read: 9:07
